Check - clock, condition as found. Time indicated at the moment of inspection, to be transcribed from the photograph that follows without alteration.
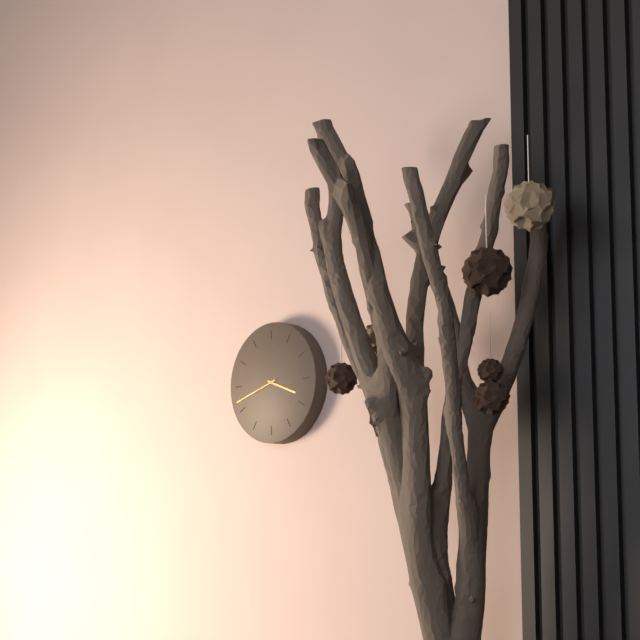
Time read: 3:42
